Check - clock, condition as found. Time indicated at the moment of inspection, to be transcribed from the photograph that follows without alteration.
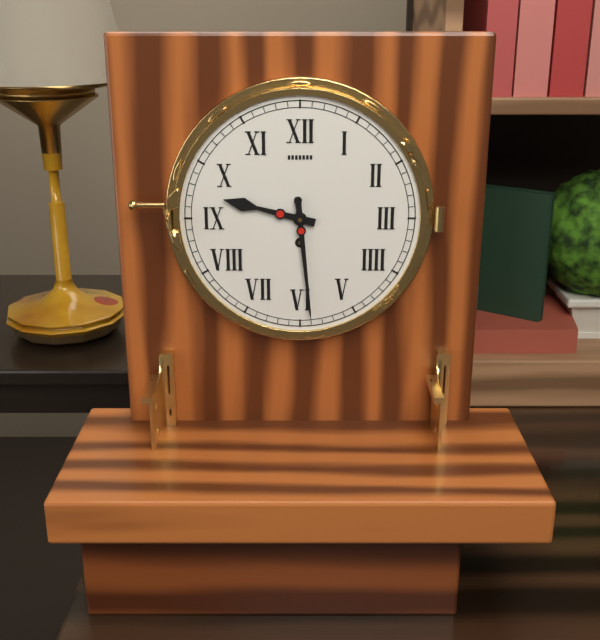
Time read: 9:29
